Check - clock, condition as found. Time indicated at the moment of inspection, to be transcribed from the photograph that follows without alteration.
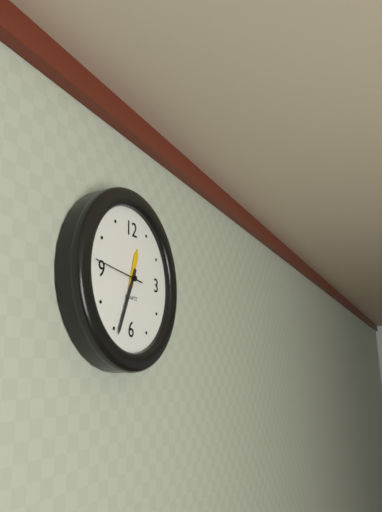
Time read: 12:34
